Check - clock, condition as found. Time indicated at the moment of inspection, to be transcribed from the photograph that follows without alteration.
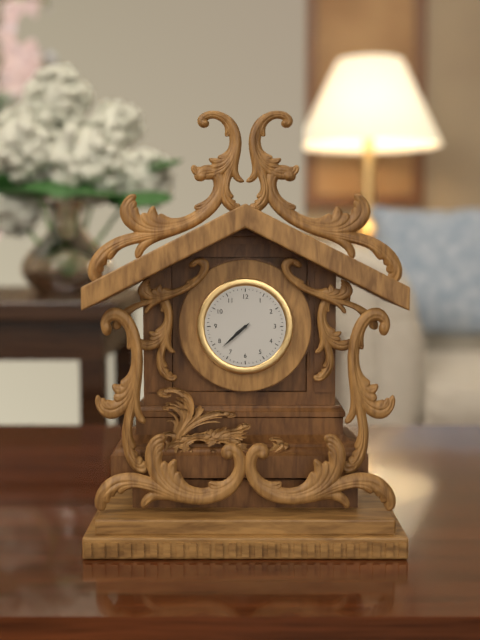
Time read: 7:38
